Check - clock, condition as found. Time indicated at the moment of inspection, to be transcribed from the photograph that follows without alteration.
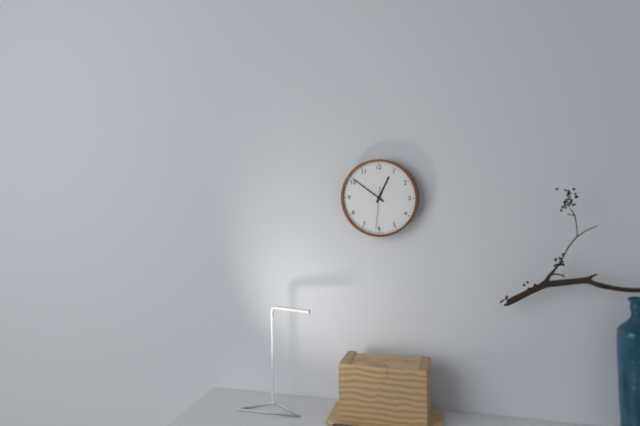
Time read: 12:51
